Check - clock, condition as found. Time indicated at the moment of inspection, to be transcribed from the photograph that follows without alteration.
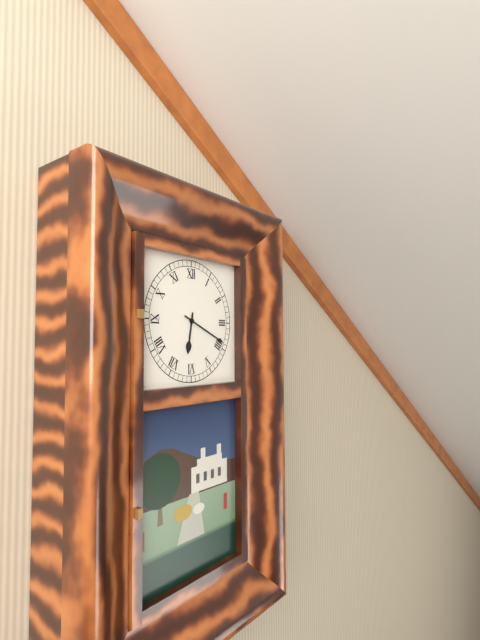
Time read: 6:19
